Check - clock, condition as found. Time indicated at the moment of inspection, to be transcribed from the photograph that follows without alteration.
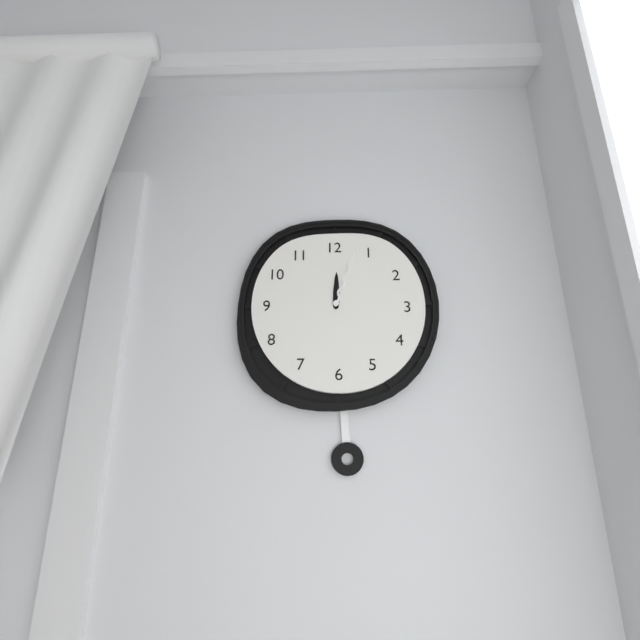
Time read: 12:03
